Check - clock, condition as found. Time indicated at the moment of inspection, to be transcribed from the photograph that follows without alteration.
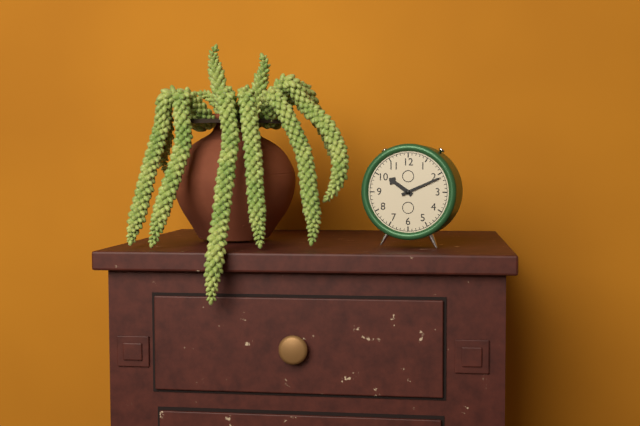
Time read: 10:11
